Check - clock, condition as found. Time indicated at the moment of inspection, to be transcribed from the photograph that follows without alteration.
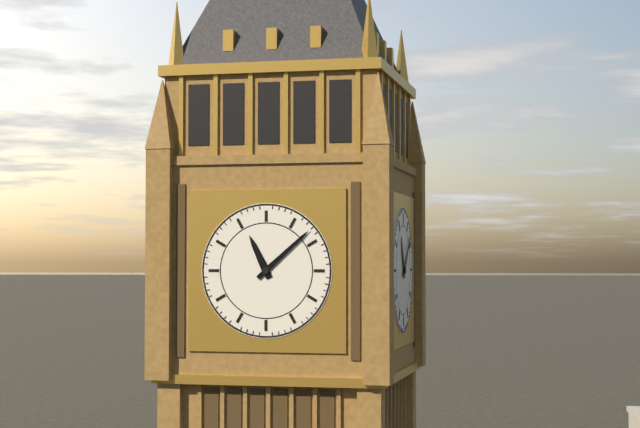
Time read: 11:08
